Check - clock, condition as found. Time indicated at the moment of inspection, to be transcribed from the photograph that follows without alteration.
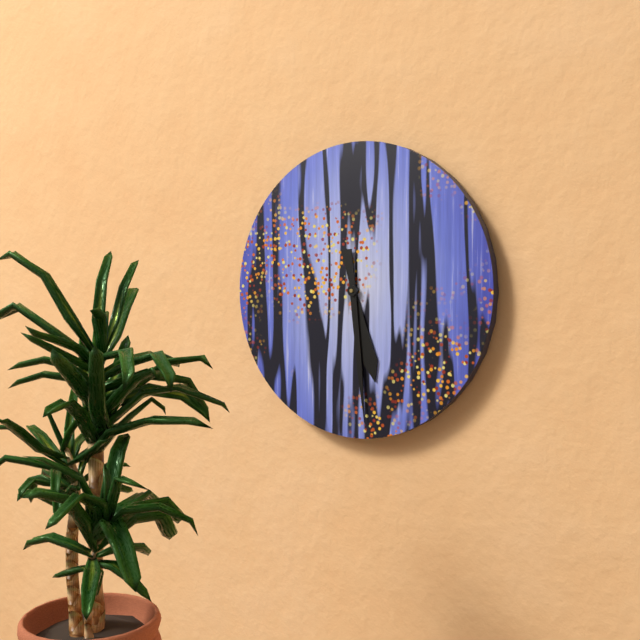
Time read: 5:29
